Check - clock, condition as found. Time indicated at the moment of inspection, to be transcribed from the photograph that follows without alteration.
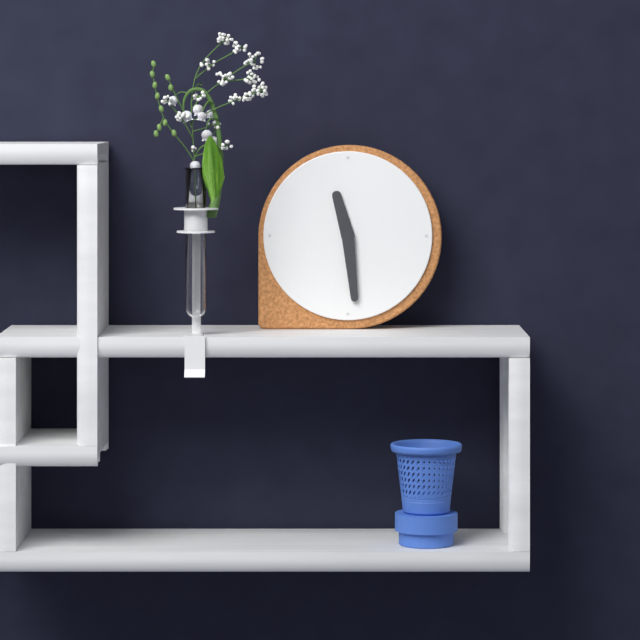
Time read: 11:29
